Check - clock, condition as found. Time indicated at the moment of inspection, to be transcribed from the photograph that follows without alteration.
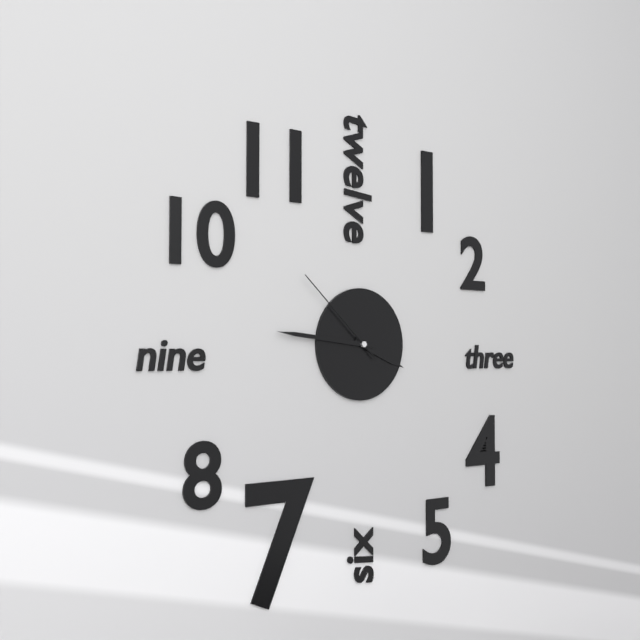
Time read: 3:46:52
